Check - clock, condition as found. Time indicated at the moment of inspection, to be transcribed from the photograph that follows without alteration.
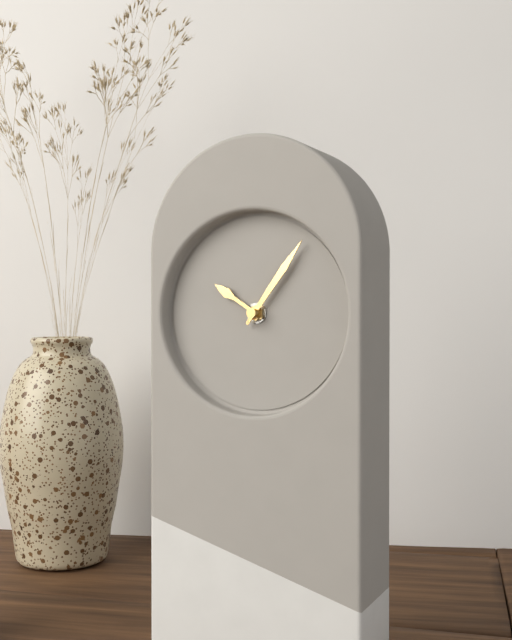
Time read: 10:06
